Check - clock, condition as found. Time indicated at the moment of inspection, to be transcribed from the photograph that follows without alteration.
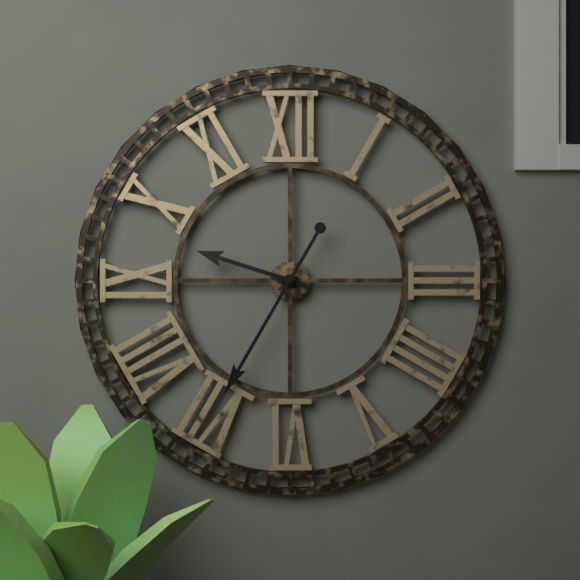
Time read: 9:35
